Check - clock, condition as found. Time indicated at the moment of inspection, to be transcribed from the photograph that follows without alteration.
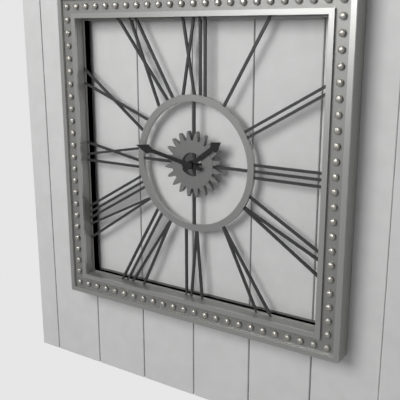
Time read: 1:47
